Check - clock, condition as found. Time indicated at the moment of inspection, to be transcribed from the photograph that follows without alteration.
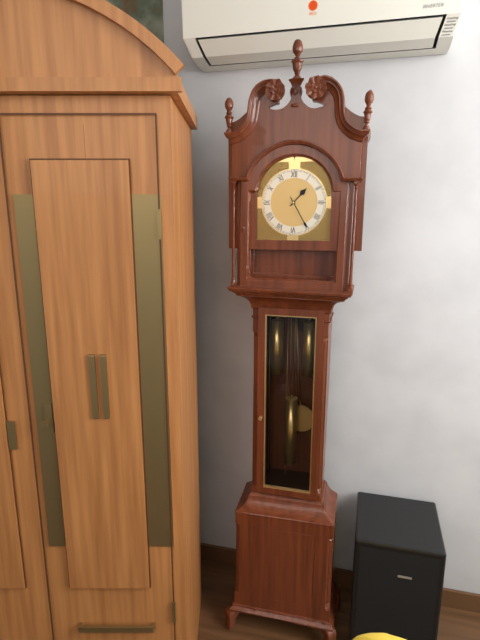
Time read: 1:25
